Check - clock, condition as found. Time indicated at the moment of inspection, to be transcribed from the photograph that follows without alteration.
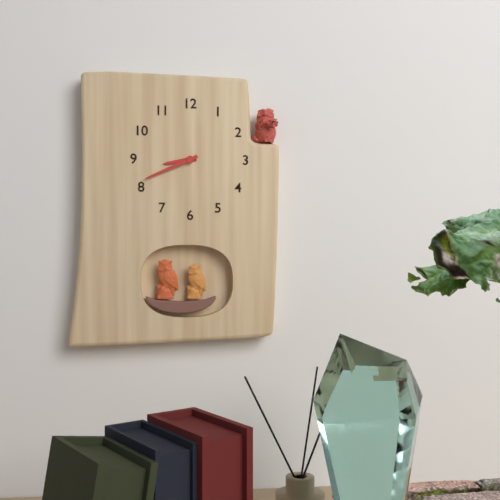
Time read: 8:41
